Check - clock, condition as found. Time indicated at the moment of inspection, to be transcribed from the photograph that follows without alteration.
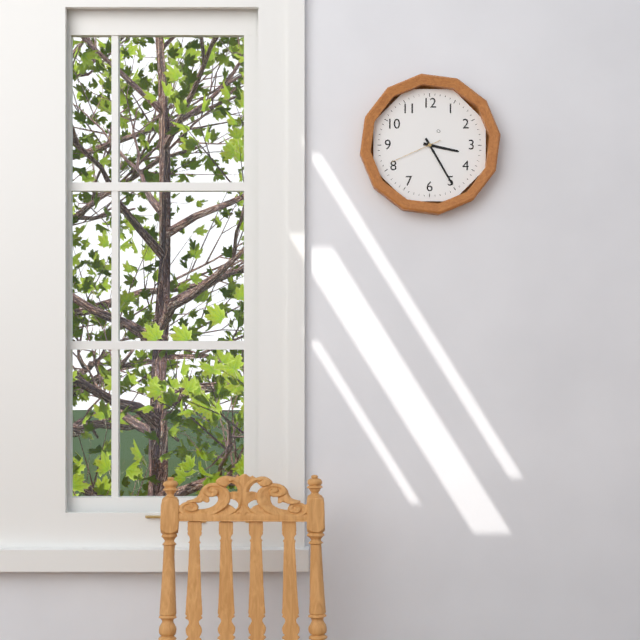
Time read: 3:25:41
